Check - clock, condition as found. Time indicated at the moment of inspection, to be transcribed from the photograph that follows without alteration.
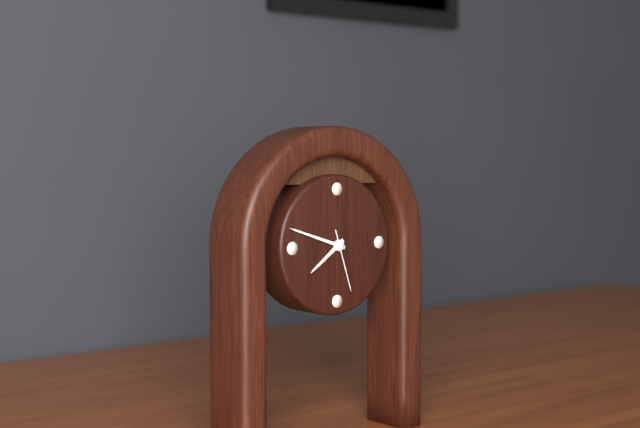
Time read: 7:48:27
